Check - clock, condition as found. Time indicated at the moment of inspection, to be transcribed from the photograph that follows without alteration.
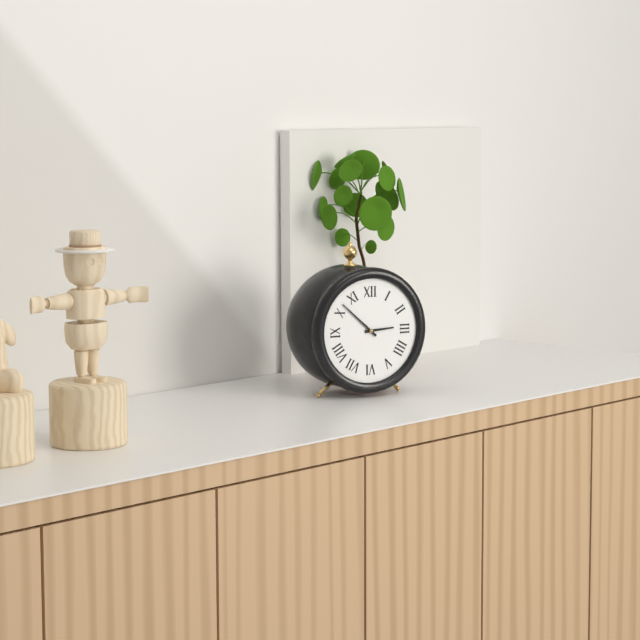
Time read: 2:52
